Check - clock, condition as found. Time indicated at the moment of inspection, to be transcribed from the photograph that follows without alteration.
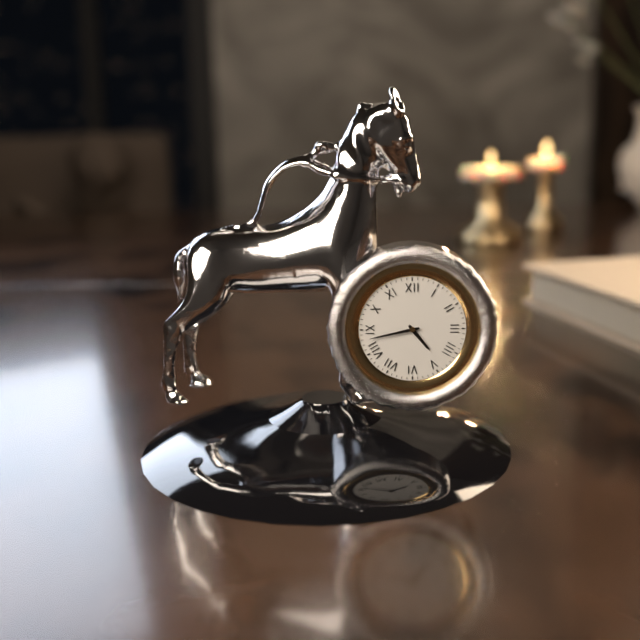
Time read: 4:43
